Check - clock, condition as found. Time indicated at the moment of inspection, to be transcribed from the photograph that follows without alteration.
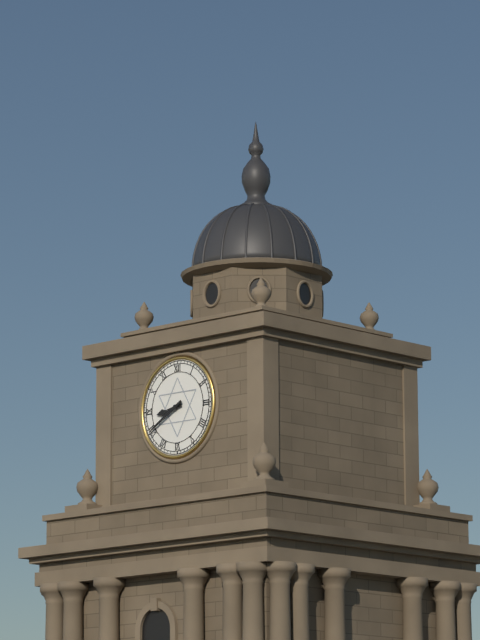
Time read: 8:40
